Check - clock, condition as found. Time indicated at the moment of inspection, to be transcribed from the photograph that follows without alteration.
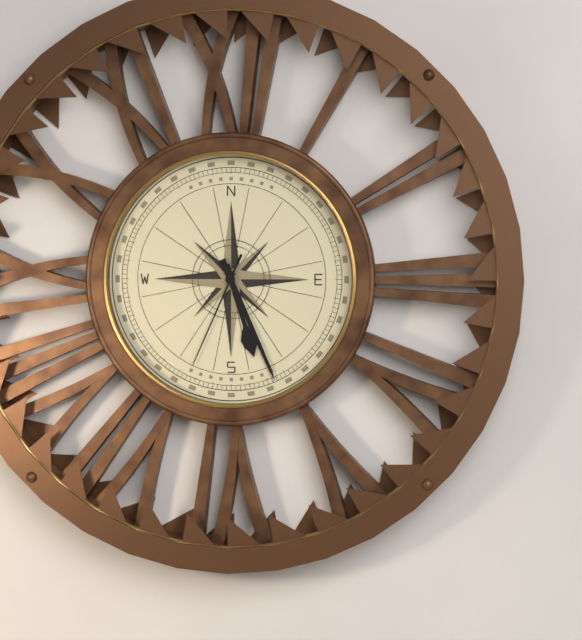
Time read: 5:26:34
